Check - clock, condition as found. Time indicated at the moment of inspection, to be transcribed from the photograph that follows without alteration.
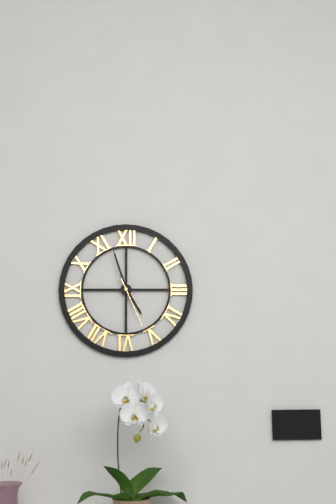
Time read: 4:57:26
